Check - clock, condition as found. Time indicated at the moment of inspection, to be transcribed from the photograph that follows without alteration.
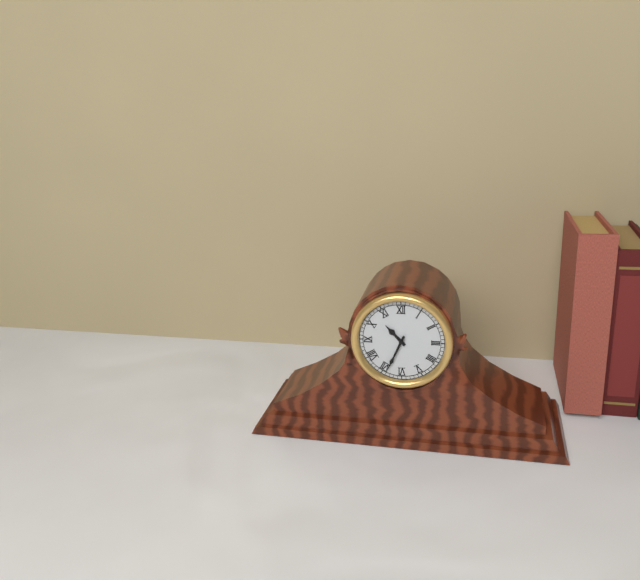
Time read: 10:34
